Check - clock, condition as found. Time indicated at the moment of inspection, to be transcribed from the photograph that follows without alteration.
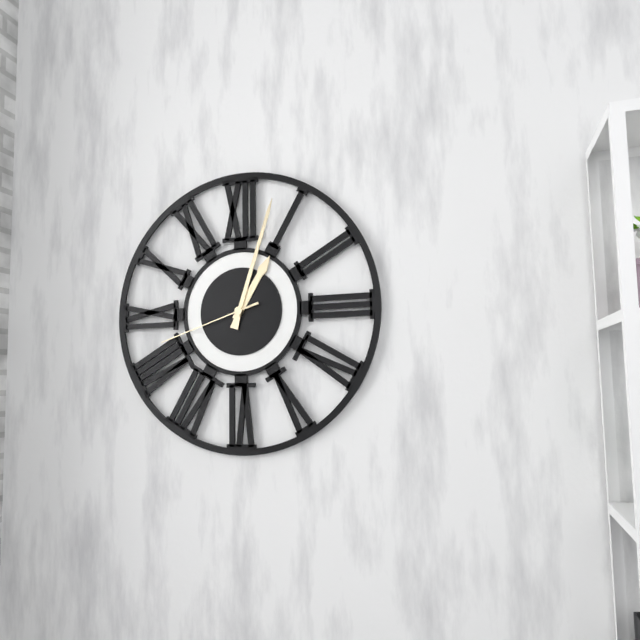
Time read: 1:03:42
